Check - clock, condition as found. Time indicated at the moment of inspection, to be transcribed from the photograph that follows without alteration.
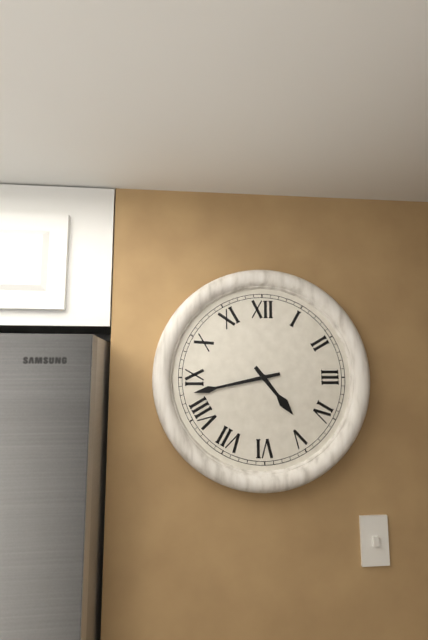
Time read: 4:43
